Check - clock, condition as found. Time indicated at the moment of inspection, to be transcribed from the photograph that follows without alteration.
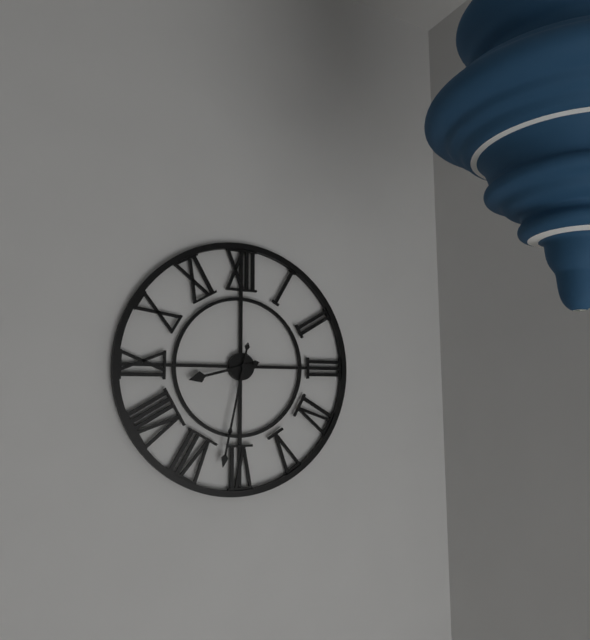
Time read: 8:32
